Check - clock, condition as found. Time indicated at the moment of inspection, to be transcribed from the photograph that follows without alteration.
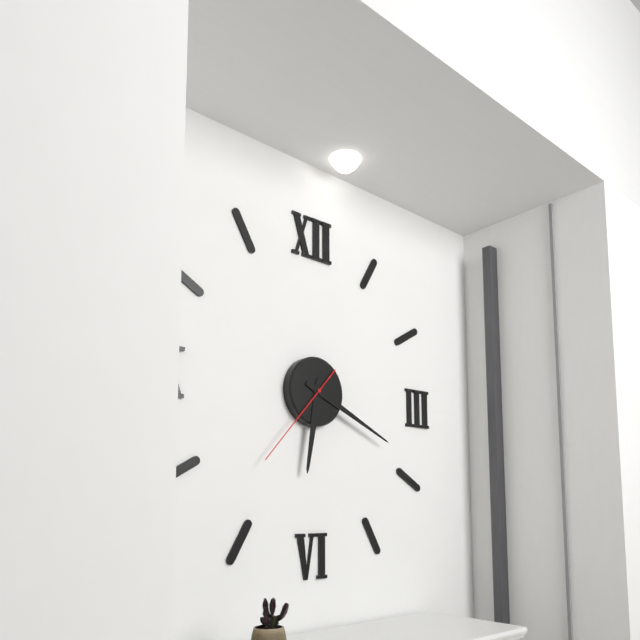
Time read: 6:19:37
